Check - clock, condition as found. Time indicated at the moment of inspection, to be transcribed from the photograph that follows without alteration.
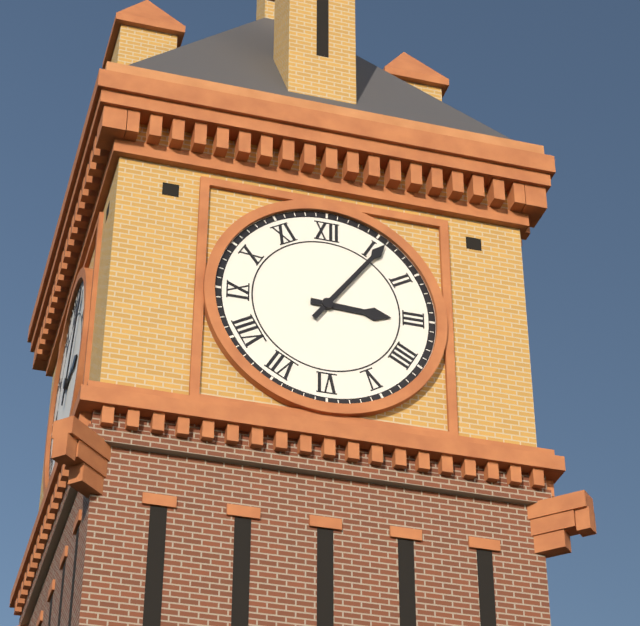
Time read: 3:06
